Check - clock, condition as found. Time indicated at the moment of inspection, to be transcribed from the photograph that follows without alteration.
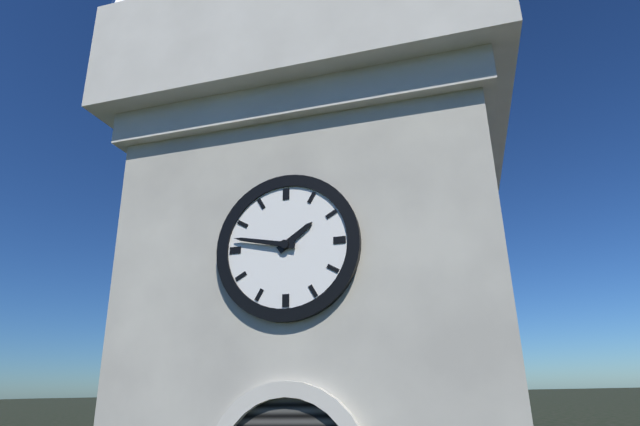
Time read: 1:47
